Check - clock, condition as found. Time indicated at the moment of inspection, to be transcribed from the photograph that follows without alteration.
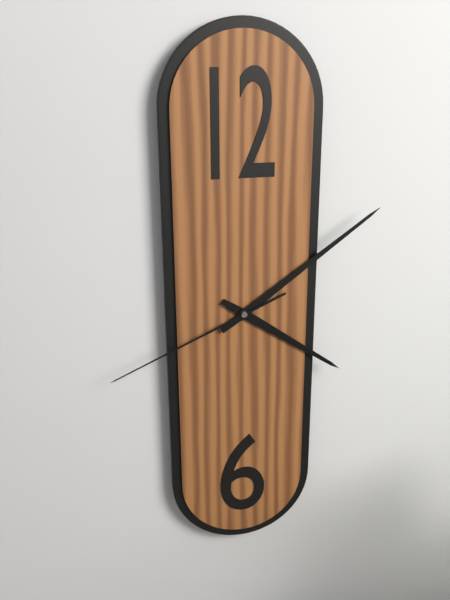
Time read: 4:09:41
